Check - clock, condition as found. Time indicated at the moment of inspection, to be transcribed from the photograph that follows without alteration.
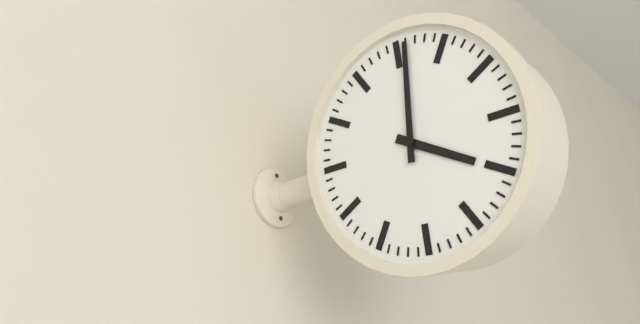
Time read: 4:01
